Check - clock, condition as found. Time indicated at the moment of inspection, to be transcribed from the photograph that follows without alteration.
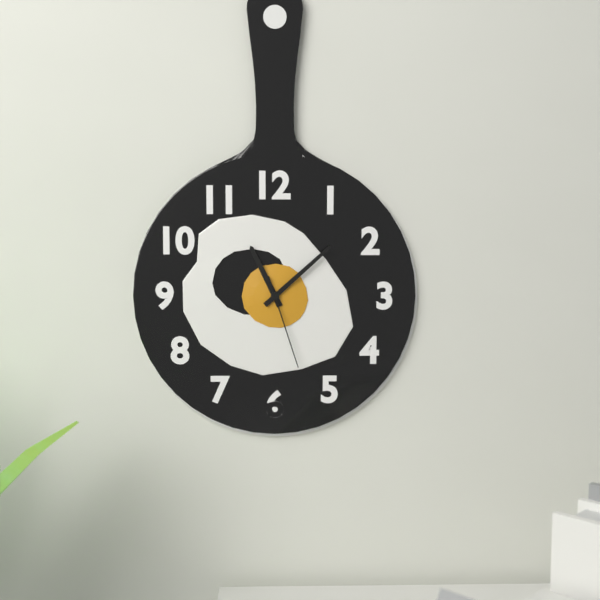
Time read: 11:08:27
